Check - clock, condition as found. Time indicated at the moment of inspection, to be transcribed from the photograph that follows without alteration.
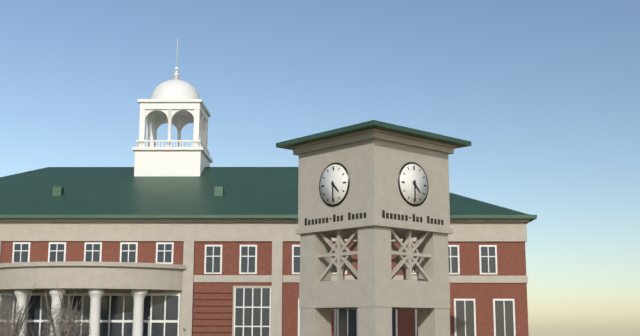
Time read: 4:30
